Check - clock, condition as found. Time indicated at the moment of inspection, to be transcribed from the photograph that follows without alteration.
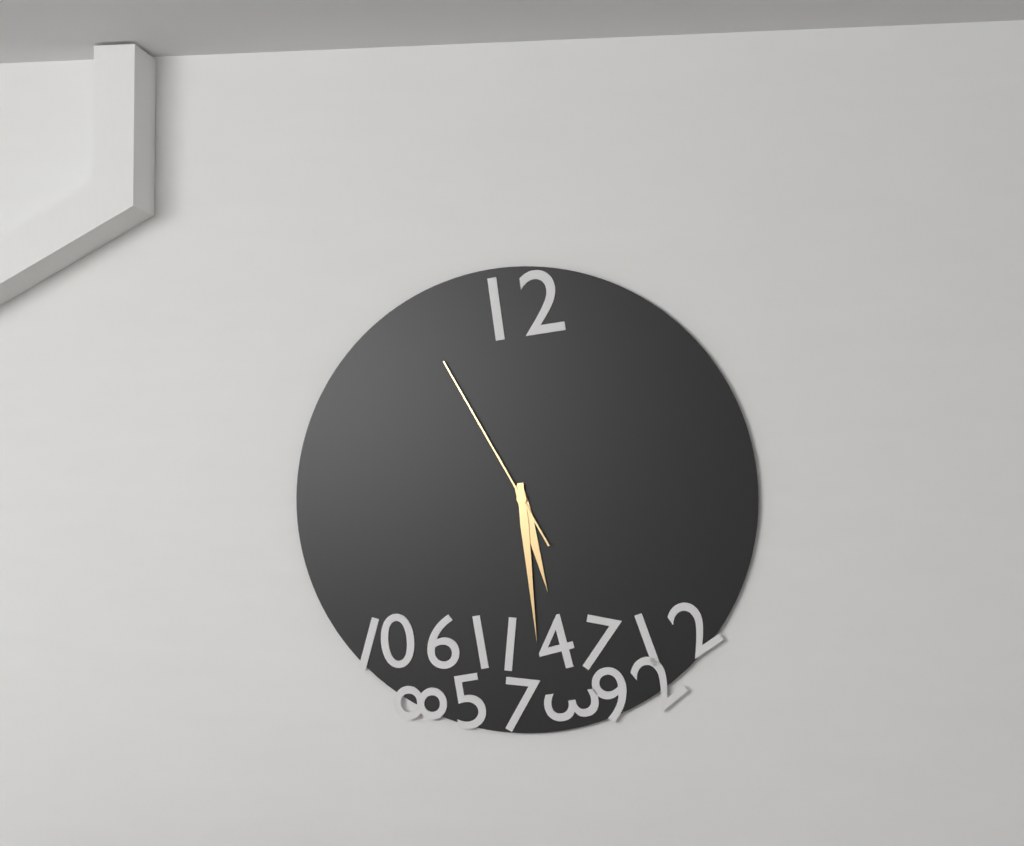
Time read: 5:29:55
